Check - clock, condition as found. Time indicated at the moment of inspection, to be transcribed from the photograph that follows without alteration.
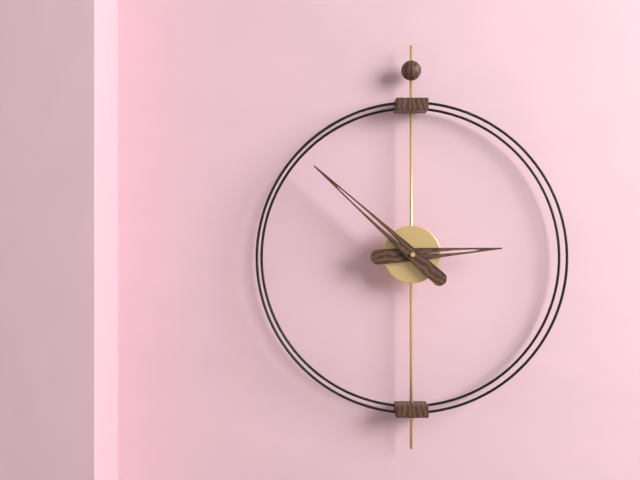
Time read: 2:52
